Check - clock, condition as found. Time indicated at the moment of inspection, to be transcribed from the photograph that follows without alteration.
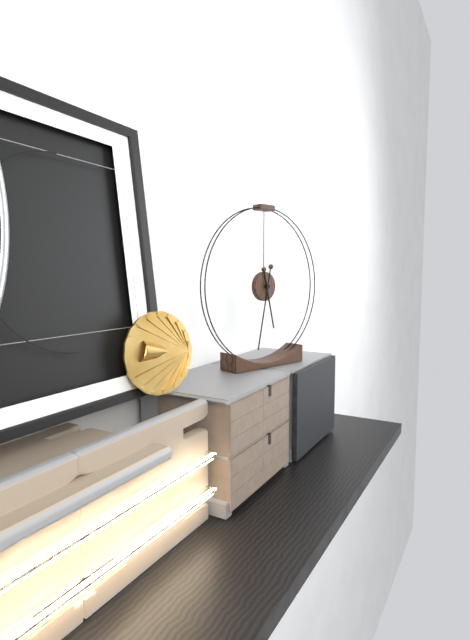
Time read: 5:32
